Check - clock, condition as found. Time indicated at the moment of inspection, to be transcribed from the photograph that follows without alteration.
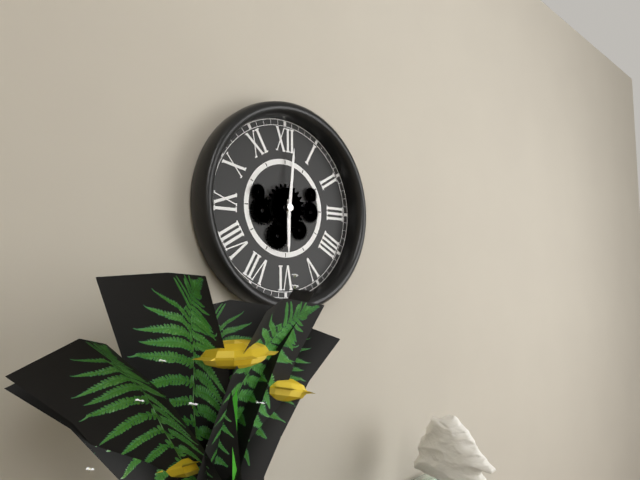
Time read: 6:01
